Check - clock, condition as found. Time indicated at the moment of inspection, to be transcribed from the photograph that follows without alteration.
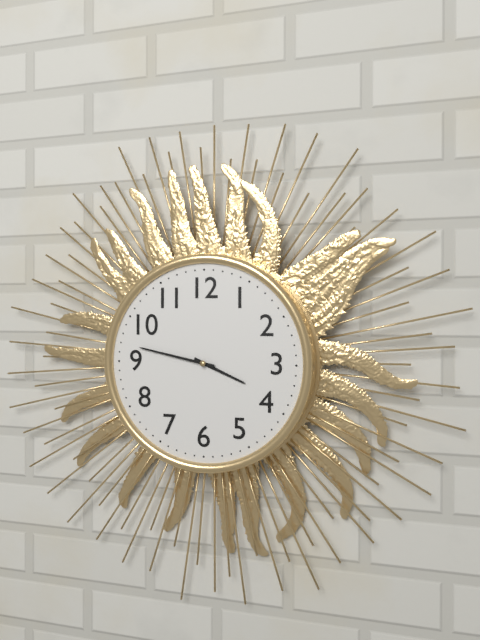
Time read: 3:47
